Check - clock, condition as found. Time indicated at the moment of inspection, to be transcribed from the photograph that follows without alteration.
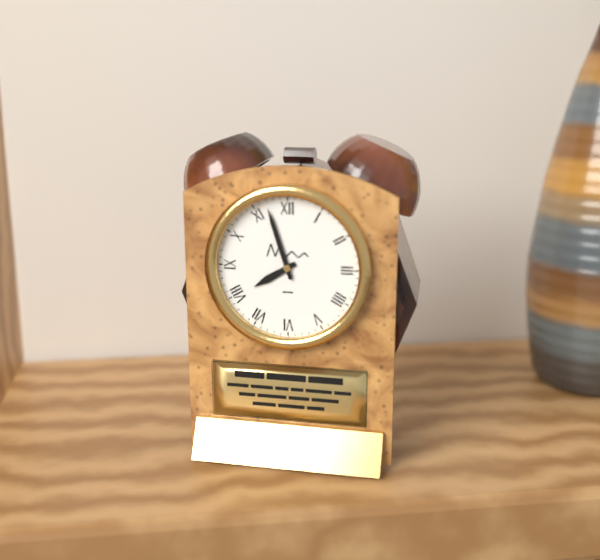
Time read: 7:57
